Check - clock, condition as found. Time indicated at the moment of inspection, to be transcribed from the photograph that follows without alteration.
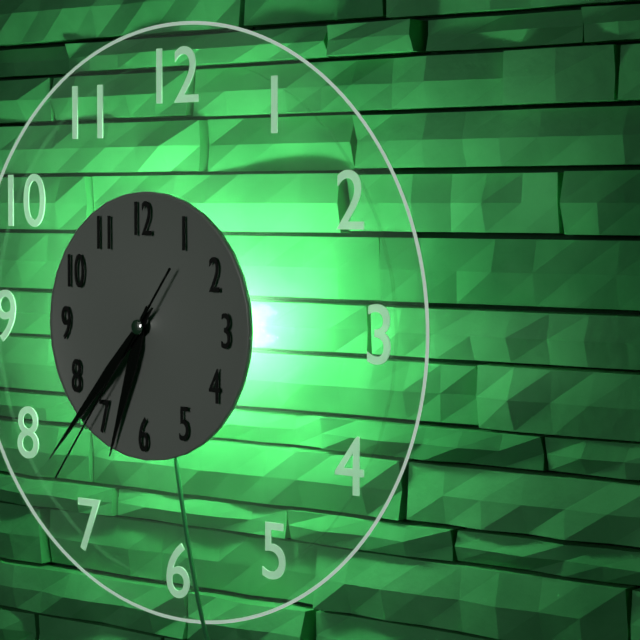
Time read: 6:37:36
